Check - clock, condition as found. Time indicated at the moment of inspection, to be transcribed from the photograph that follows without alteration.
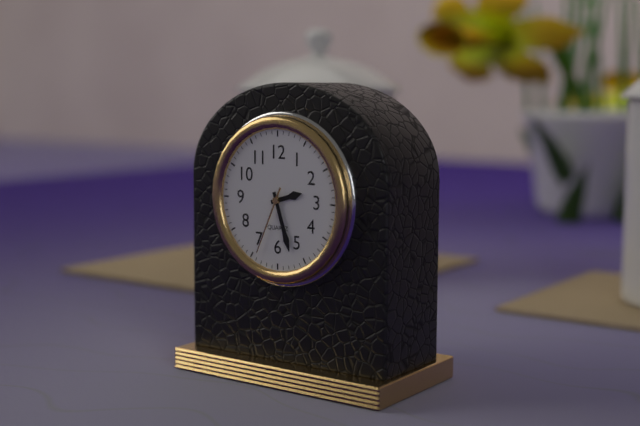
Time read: 2:27:34
